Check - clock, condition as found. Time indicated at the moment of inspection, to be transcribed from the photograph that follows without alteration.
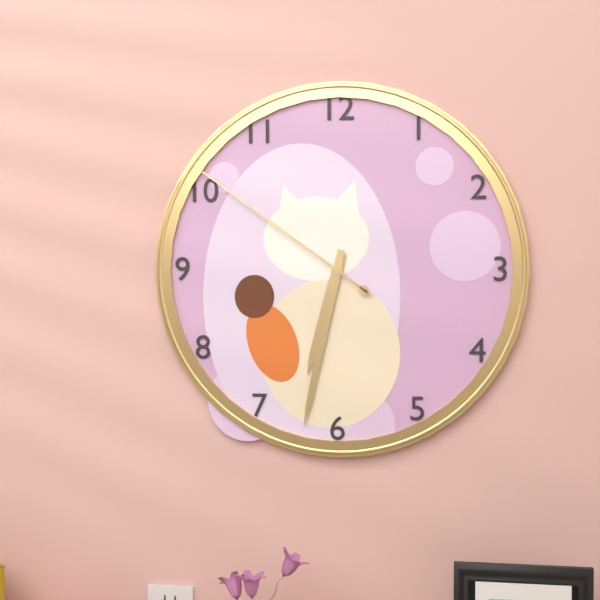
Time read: 6:32:51
